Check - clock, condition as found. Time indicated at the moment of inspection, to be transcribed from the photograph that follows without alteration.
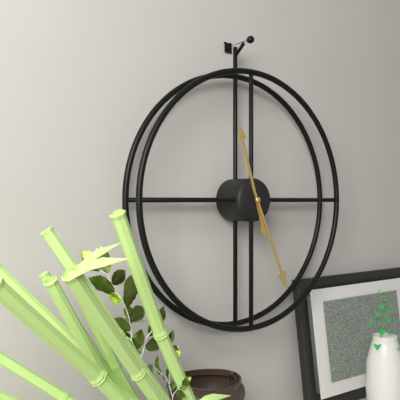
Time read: 11:26
